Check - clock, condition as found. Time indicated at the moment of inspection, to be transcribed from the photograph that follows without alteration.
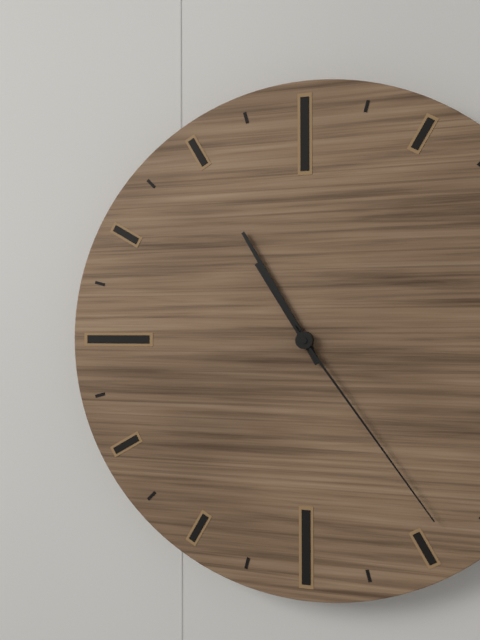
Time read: 10:55:24
